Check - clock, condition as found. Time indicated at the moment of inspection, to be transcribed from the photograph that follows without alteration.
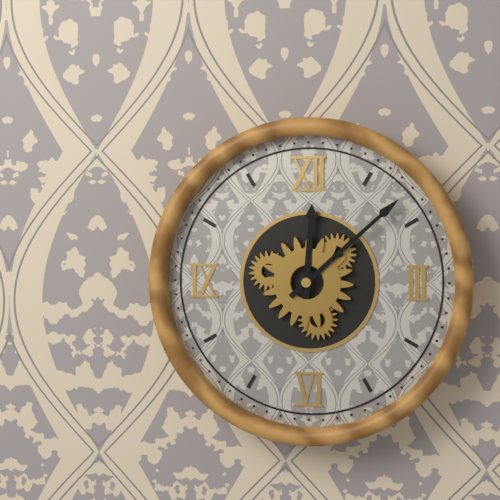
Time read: 12:08
